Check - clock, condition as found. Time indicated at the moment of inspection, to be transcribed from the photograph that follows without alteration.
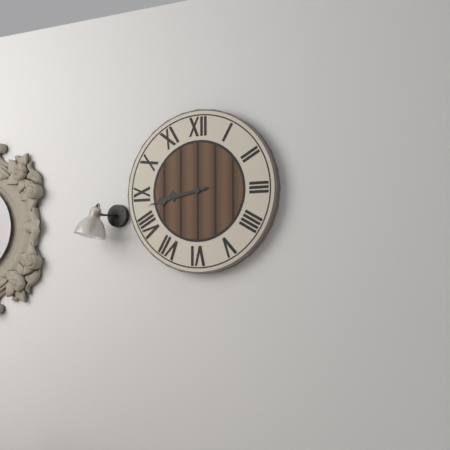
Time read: 8:43
